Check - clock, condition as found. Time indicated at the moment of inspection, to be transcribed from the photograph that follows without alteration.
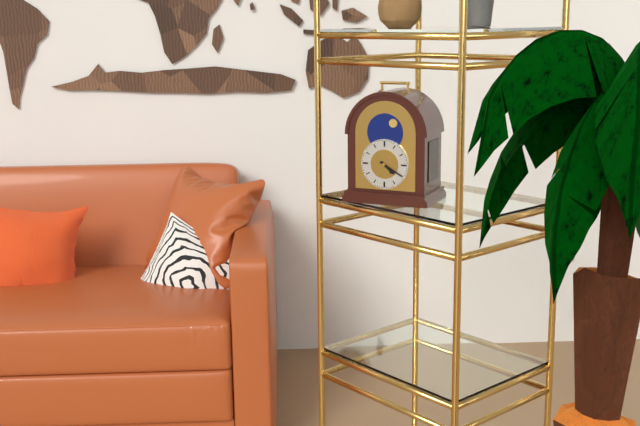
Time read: 4:20
